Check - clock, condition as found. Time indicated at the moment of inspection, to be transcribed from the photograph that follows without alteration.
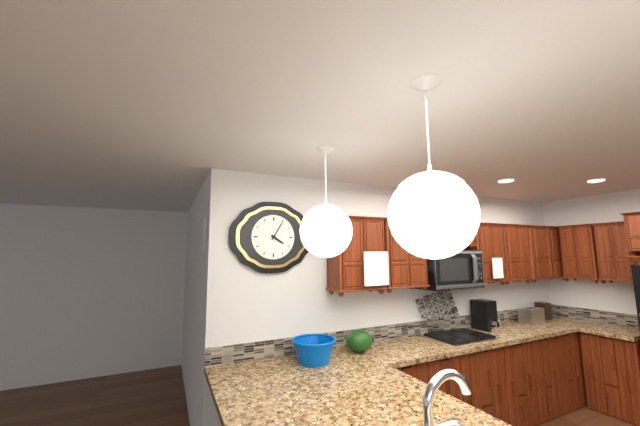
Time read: 4:05
